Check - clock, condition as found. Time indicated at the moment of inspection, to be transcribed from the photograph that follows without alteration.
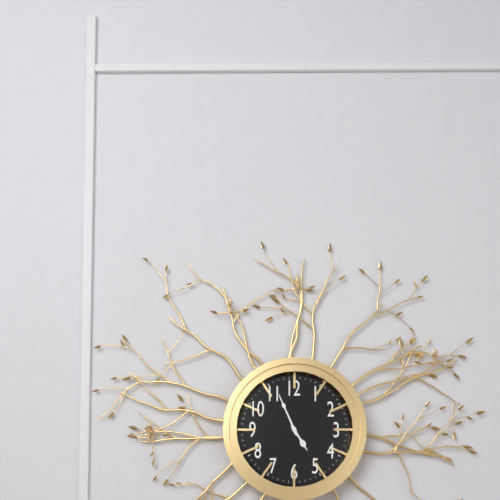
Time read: 4:56
